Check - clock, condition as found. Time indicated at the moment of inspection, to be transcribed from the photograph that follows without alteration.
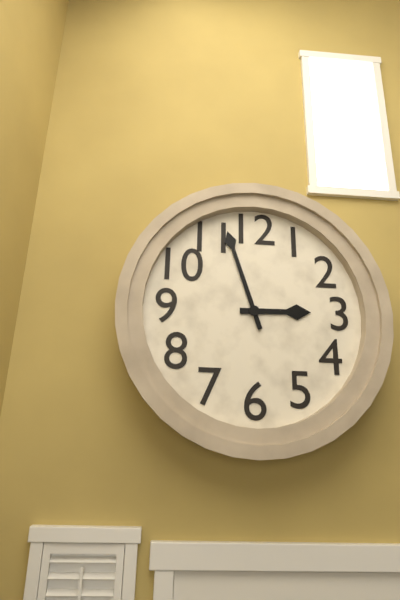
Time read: 2:57
